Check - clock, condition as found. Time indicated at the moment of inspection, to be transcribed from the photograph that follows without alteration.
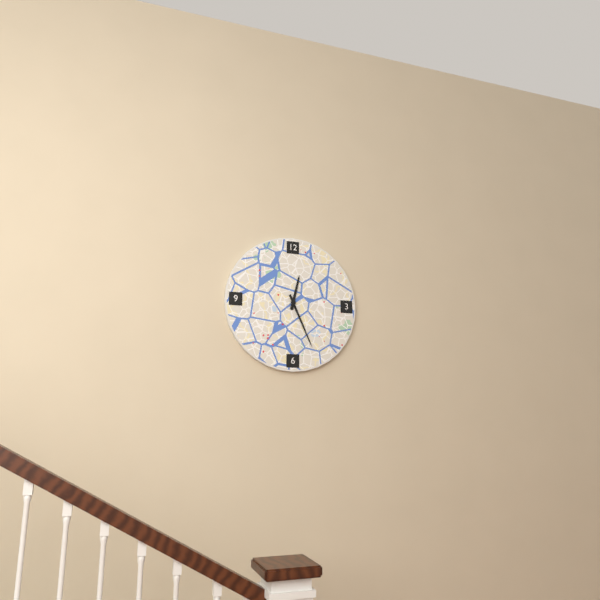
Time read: 12:26
